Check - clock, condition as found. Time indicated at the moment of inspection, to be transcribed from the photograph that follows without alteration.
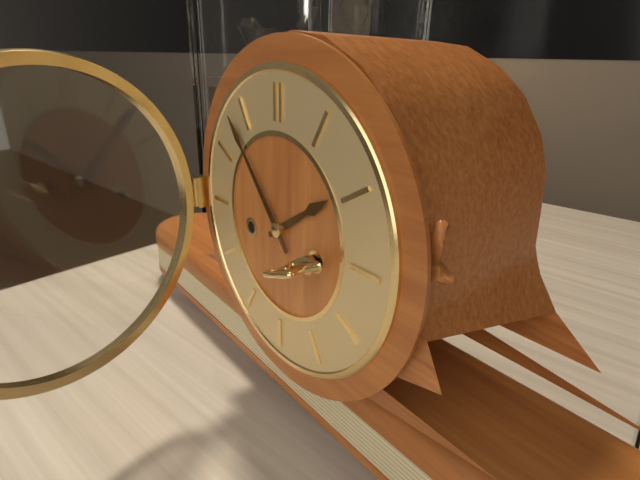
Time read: 1:53
